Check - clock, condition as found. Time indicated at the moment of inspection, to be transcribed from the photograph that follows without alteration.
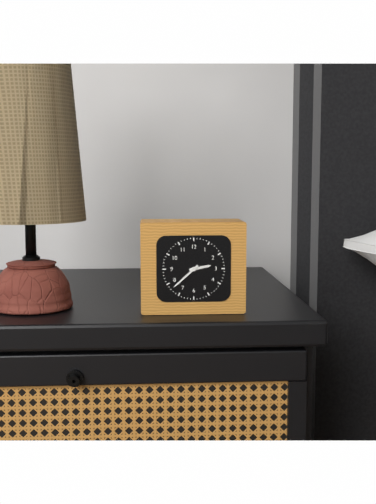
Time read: 2:38
